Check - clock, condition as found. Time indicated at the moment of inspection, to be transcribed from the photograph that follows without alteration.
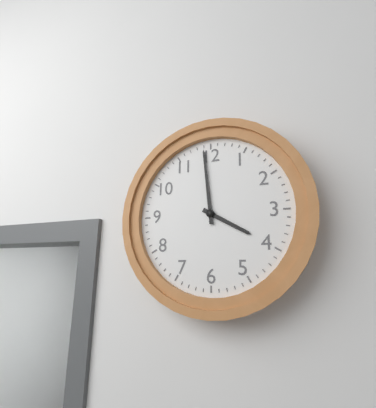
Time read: 3:59
